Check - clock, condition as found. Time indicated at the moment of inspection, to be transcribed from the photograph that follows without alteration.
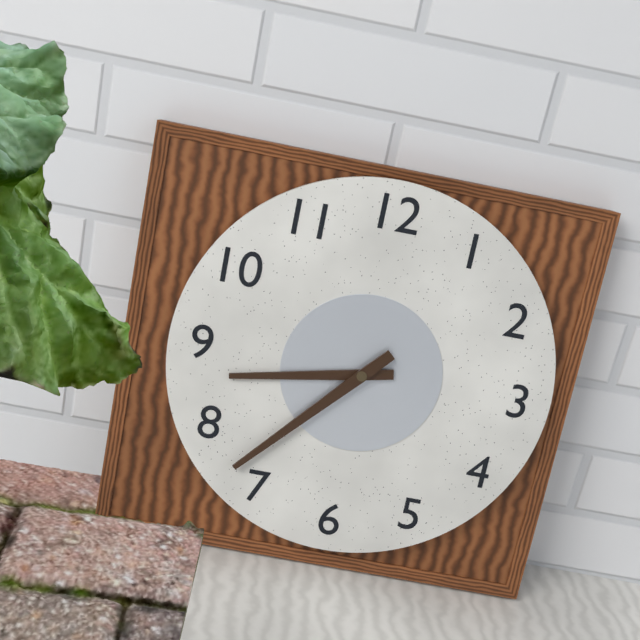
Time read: 8:37
